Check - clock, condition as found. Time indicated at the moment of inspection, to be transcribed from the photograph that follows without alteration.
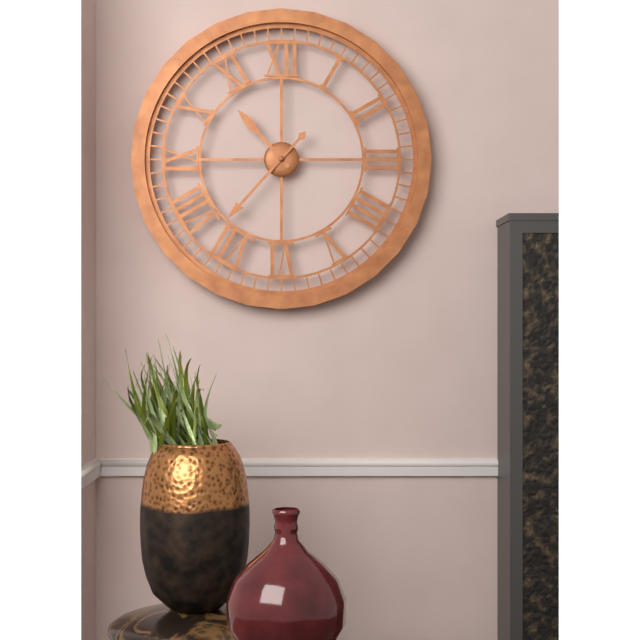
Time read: 10:37
